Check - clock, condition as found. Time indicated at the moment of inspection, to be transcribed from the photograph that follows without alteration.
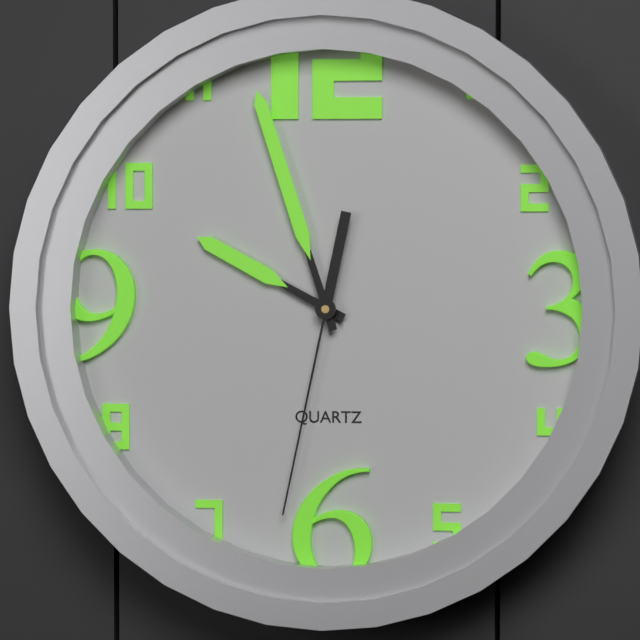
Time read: 9:57:32
